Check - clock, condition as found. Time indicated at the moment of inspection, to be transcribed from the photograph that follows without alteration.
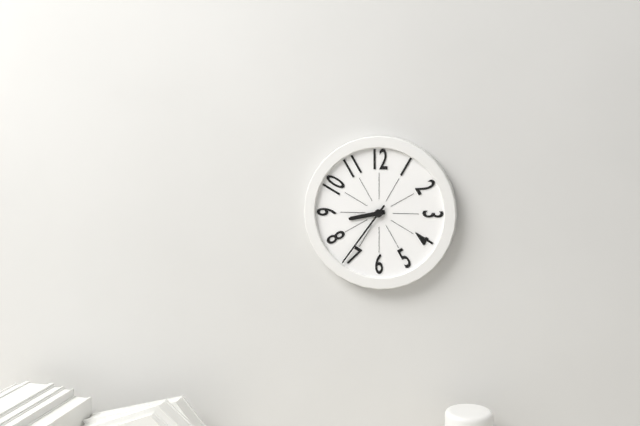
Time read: 8:36
